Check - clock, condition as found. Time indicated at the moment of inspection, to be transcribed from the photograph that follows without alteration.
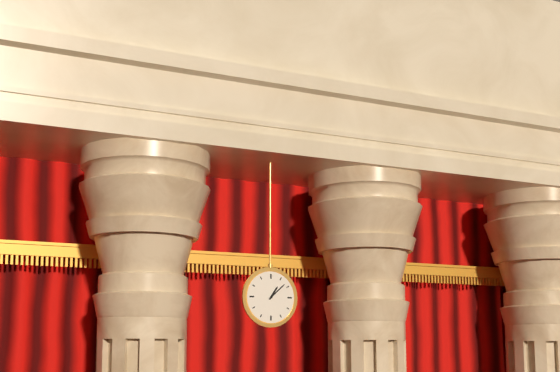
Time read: 1:08
